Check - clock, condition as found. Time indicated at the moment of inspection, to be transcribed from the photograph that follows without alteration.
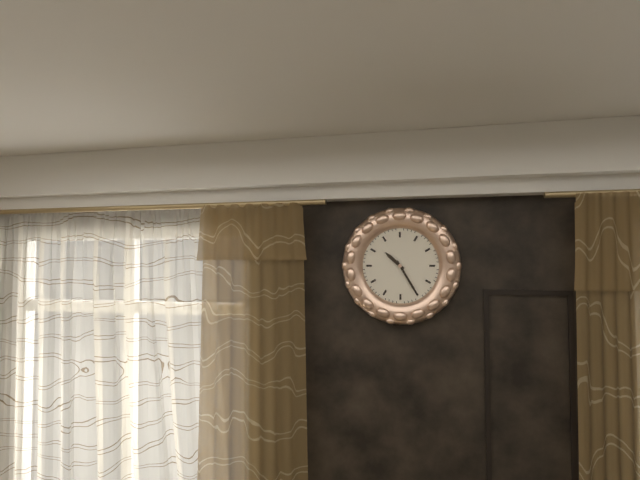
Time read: 10:25
